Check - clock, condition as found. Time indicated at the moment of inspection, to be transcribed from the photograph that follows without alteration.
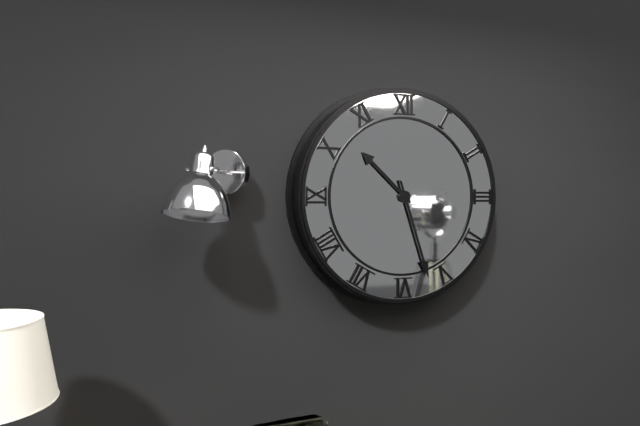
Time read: 10:27
